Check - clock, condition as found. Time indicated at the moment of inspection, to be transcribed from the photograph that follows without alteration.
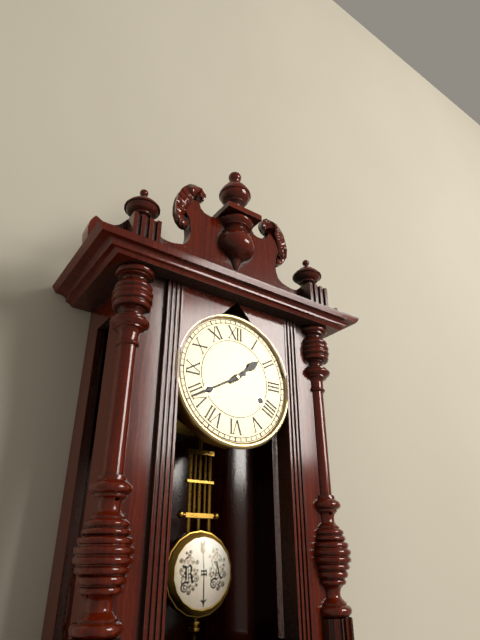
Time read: 1:40
